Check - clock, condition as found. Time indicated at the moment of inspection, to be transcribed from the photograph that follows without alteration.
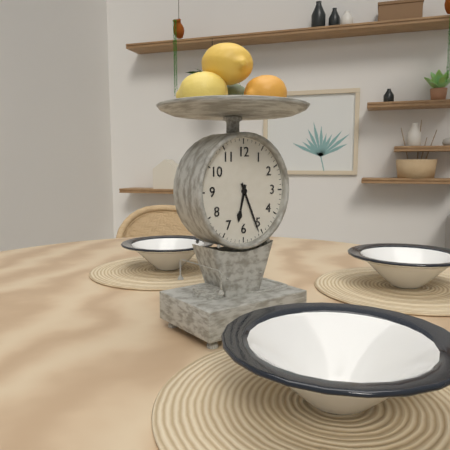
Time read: 6:26
